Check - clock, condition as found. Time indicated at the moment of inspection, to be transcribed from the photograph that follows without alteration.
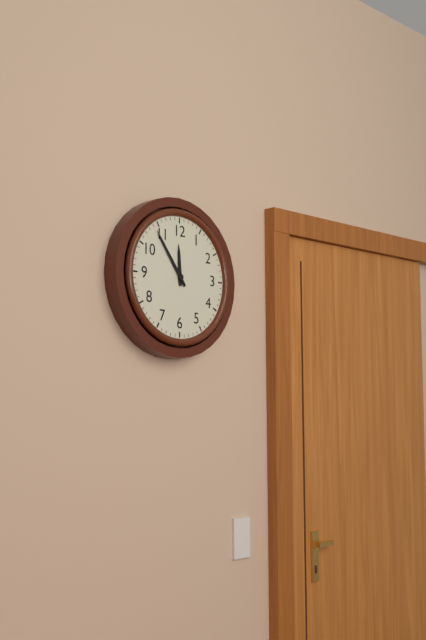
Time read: 11:54
